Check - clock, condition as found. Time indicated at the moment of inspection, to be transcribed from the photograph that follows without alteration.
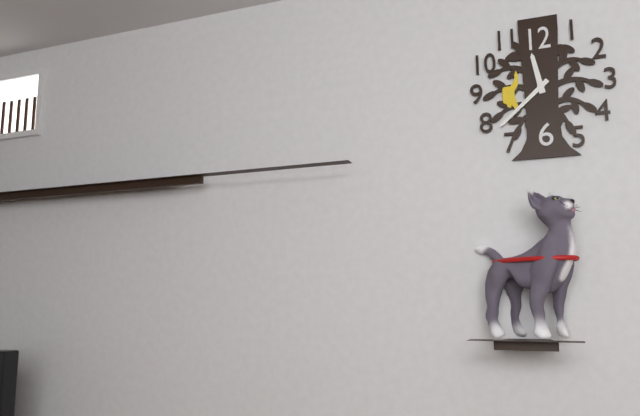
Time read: 11:38
